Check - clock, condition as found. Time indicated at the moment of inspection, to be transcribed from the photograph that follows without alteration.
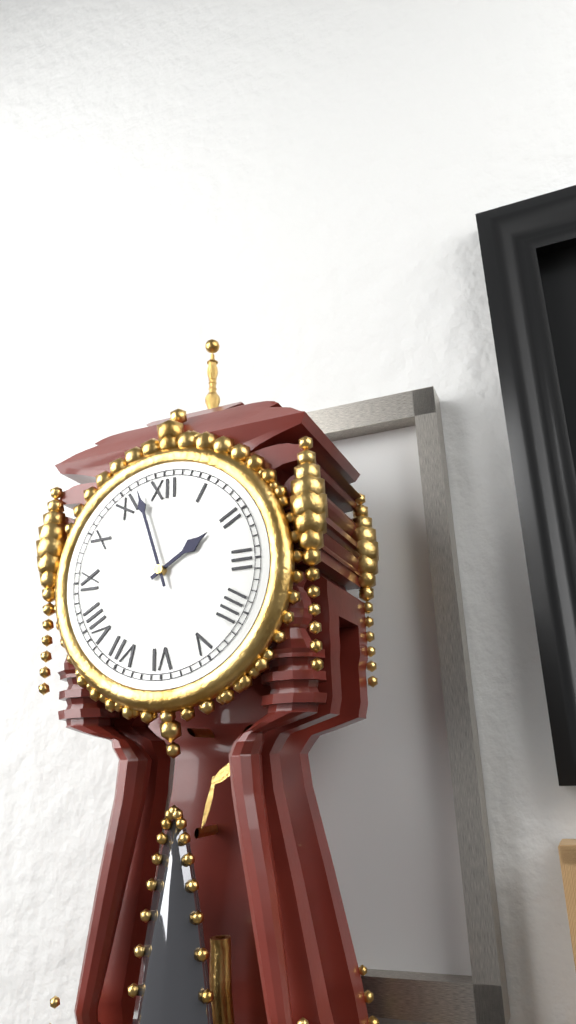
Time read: 1:57
